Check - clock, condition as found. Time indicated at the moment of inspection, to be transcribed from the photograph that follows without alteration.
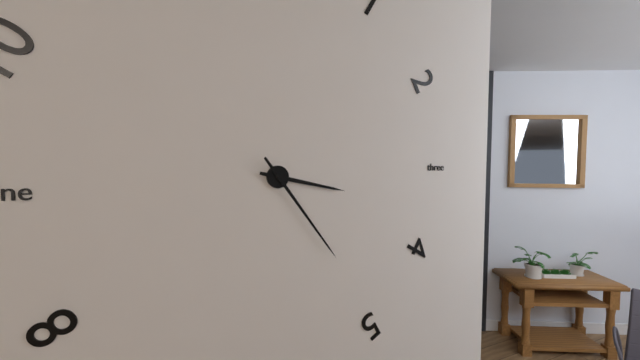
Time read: 3:24
